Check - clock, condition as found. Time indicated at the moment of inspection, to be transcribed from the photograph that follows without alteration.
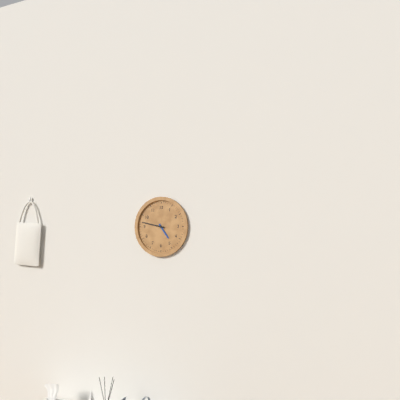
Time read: 4:47
